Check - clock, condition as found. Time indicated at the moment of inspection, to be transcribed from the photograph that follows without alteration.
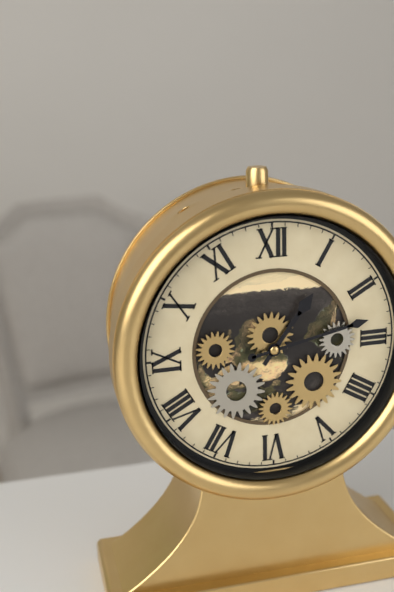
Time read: 1:13
